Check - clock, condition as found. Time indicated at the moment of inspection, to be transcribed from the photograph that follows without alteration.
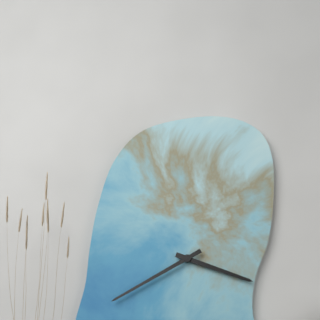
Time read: 3:40
